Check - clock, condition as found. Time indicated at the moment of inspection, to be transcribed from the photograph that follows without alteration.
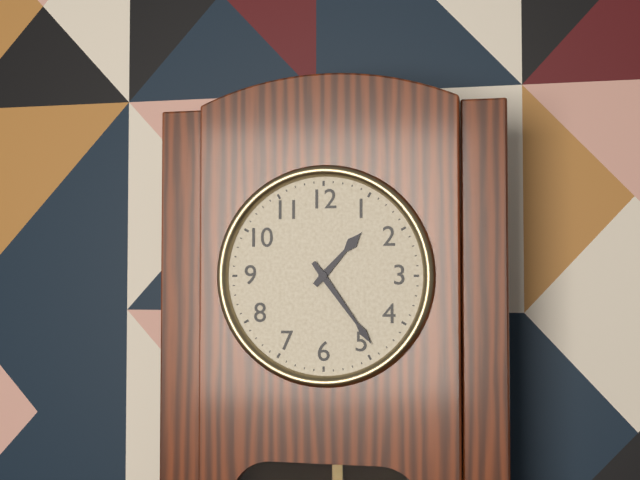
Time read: 1:24
